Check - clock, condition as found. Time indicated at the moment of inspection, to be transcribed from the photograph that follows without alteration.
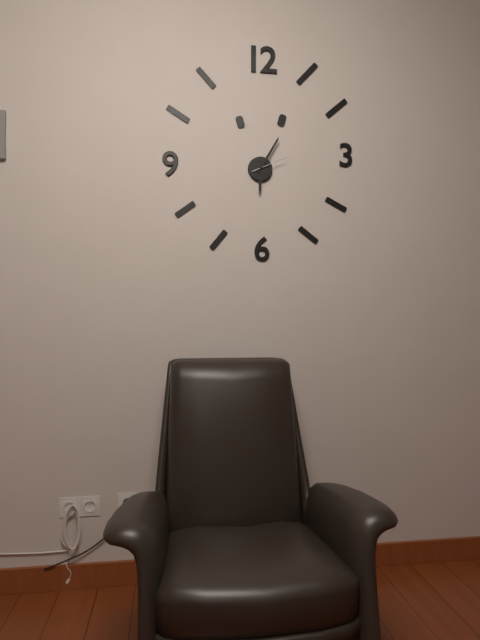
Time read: 6:05
